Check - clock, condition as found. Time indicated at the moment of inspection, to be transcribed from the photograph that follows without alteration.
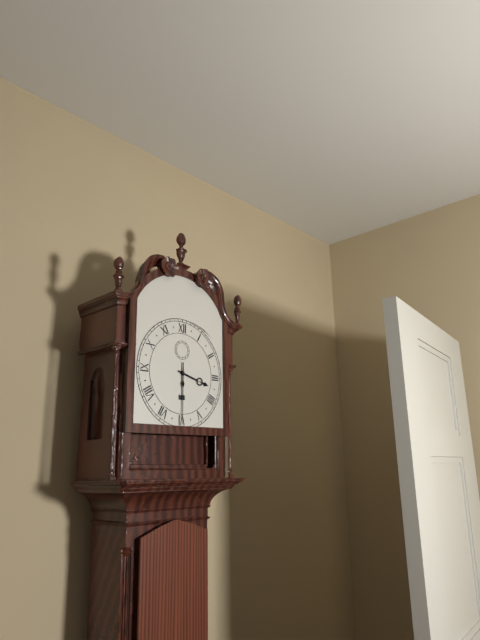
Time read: 3:30
